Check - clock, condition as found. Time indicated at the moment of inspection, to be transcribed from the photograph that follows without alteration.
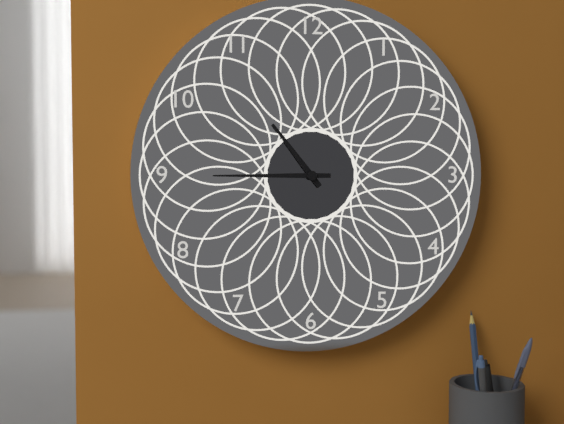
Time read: 10:45
